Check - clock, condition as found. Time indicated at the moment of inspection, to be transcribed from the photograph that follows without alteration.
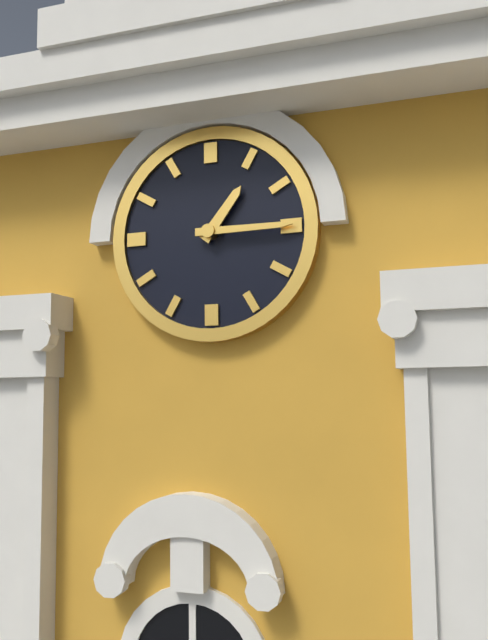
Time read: 1:15
